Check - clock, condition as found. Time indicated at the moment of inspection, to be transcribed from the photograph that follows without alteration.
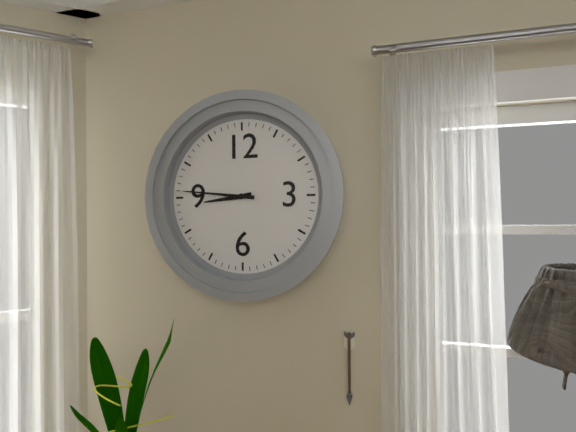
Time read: 8:46
